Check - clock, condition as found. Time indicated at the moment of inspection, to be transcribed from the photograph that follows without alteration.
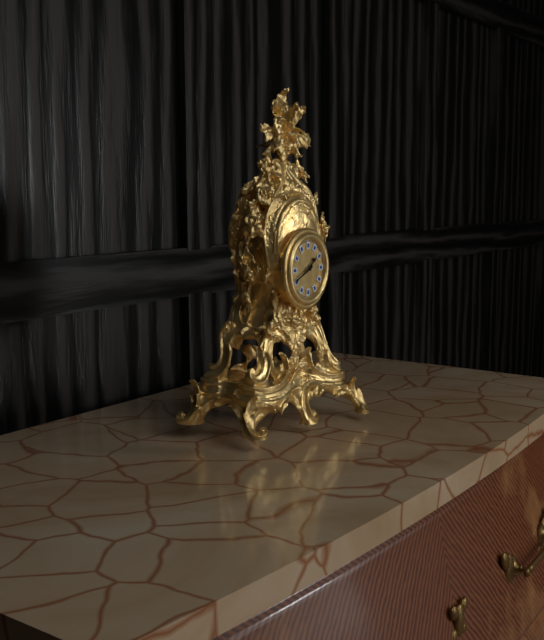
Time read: 1:41
